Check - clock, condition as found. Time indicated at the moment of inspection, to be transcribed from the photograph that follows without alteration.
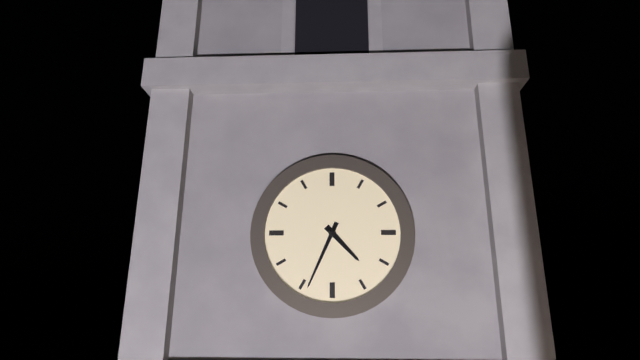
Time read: 4:34
